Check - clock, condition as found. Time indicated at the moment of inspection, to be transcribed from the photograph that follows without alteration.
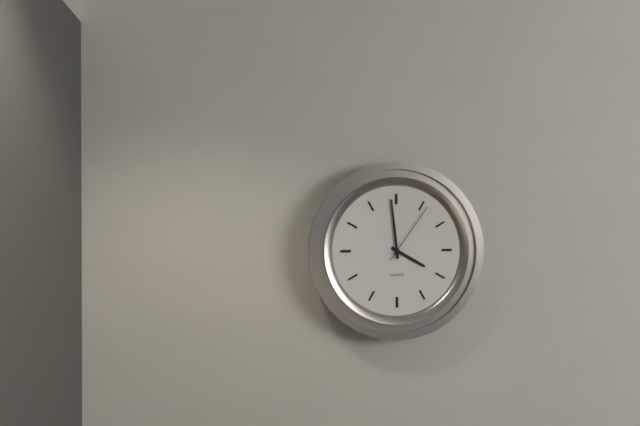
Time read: 3:59:06
